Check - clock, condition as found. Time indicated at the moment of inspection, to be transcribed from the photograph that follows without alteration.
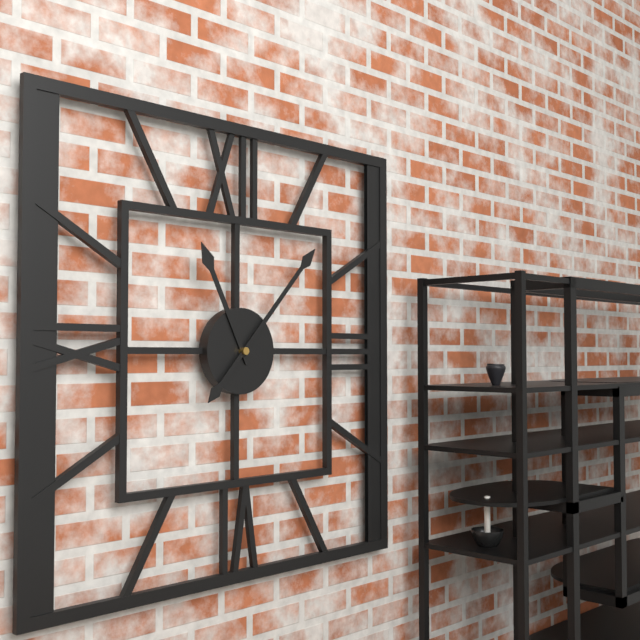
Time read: 11:07
